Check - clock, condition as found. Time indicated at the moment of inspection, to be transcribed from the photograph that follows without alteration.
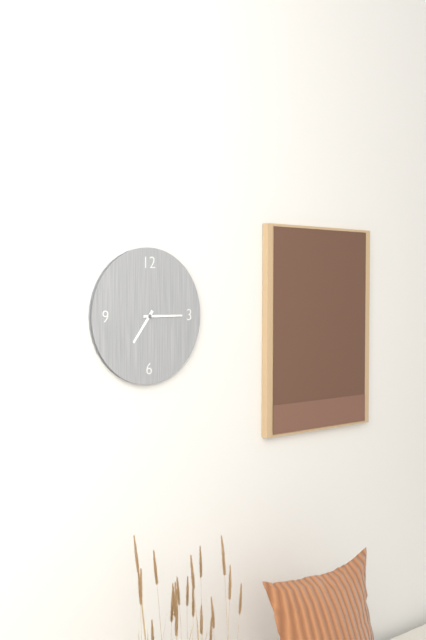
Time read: 7:15
